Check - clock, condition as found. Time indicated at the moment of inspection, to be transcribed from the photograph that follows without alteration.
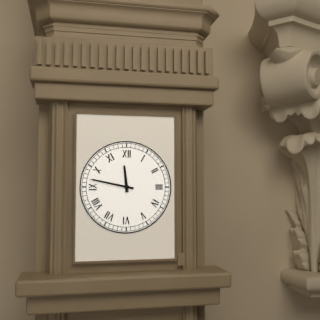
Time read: 11:47
